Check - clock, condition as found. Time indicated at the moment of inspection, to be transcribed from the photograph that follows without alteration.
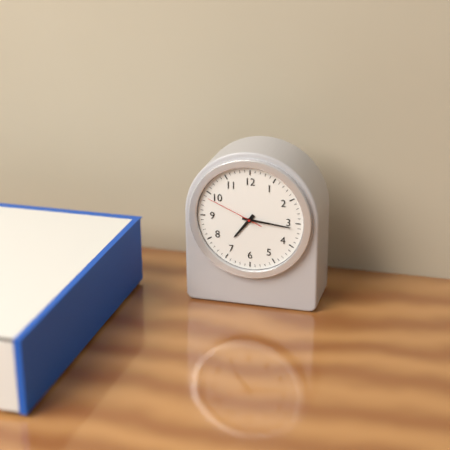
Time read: 7:16:49
